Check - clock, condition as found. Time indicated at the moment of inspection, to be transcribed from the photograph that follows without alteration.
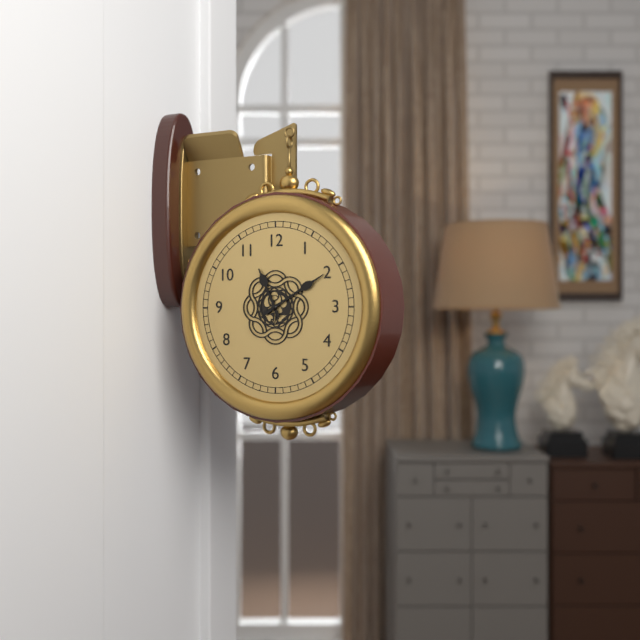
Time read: 11:10
